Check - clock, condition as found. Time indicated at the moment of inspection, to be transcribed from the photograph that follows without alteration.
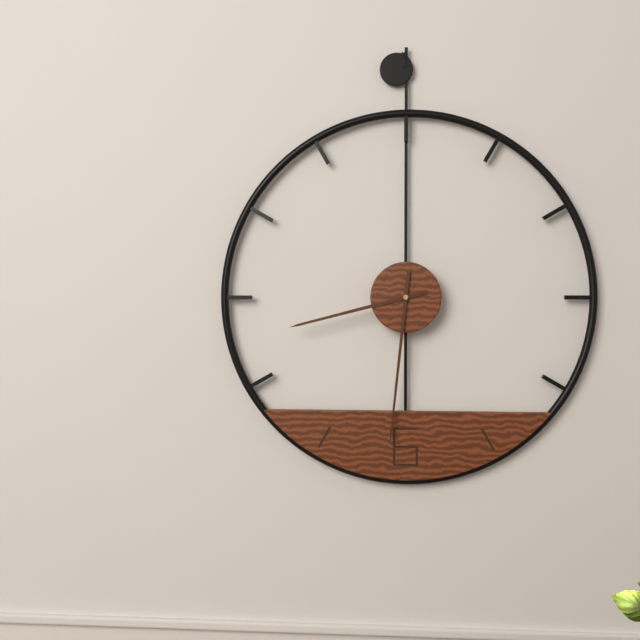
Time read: 8:31
